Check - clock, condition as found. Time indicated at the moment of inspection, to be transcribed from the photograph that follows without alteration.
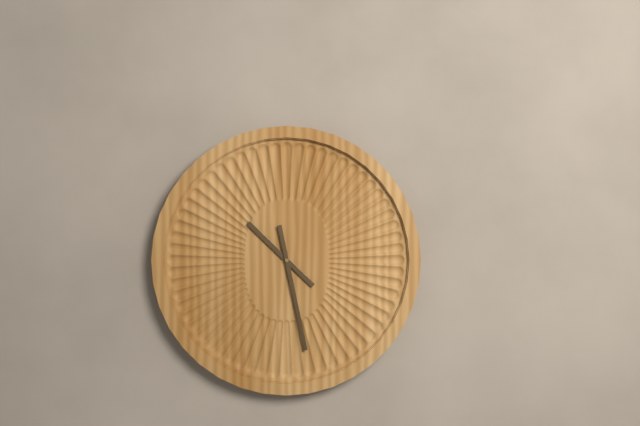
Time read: 10:28
